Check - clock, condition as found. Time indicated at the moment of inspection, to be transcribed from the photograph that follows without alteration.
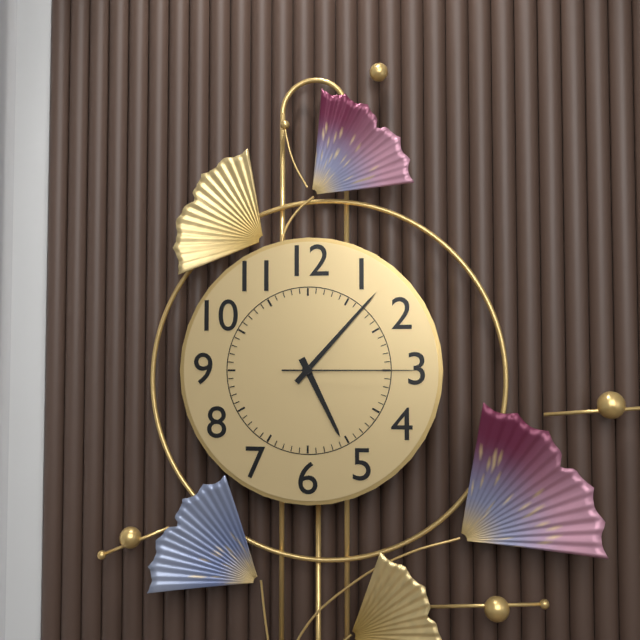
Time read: 5:07:15
